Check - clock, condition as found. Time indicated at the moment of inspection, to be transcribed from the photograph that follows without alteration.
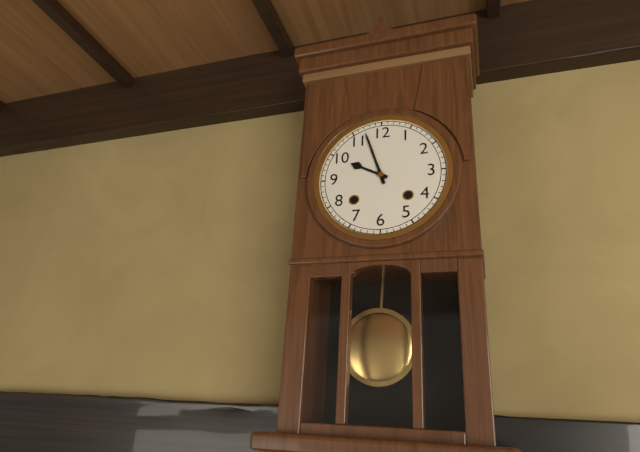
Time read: 9:57
